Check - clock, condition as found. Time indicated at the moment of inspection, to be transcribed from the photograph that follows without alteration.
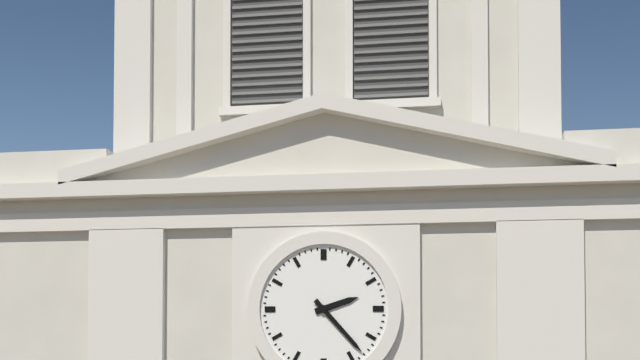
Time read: 2:23
